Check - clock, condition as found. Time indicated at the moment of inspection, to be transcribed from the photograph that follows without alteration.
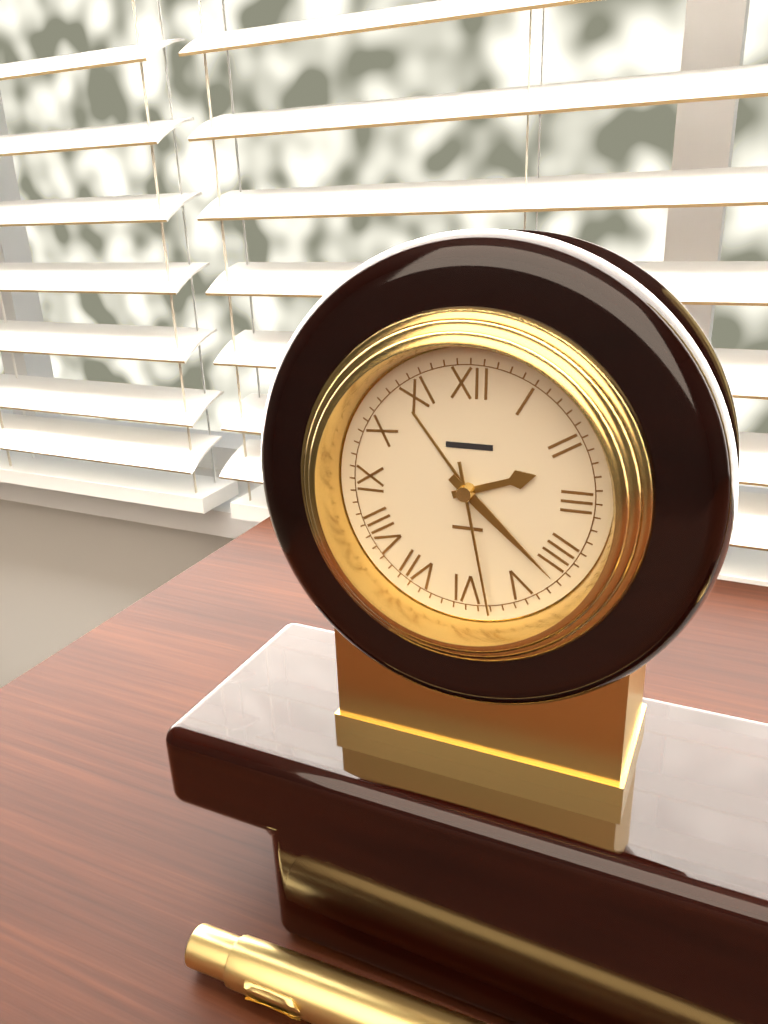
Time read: 2:22:28
